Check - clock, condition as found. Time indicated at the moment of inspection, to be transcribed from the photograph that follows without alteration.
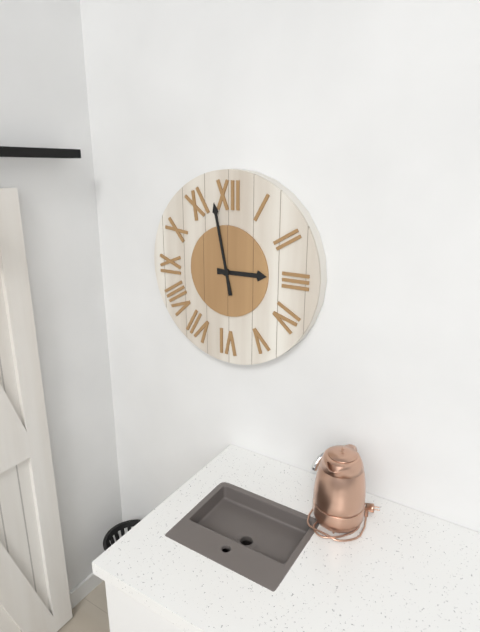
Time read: 2:58
